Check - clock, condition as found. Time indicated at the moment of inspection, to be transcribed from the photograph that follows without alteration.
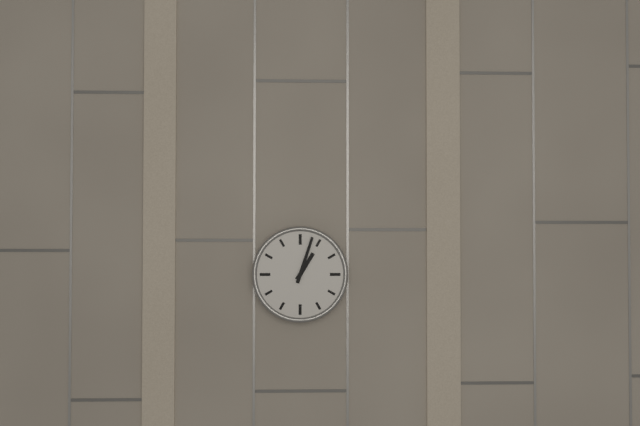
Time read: 1:03
